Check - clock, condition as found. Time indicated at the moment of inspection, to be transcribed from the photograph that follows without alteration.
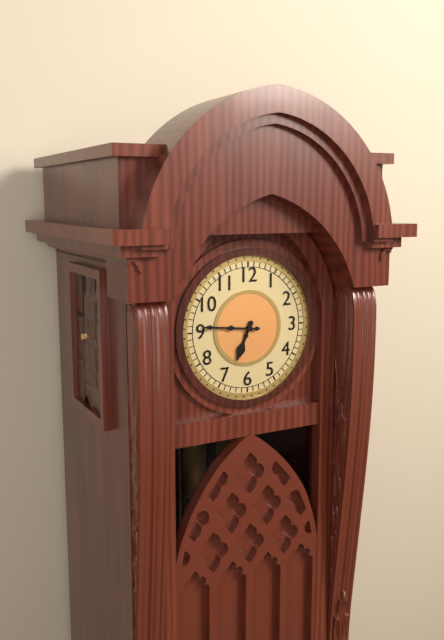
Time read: 6:46
